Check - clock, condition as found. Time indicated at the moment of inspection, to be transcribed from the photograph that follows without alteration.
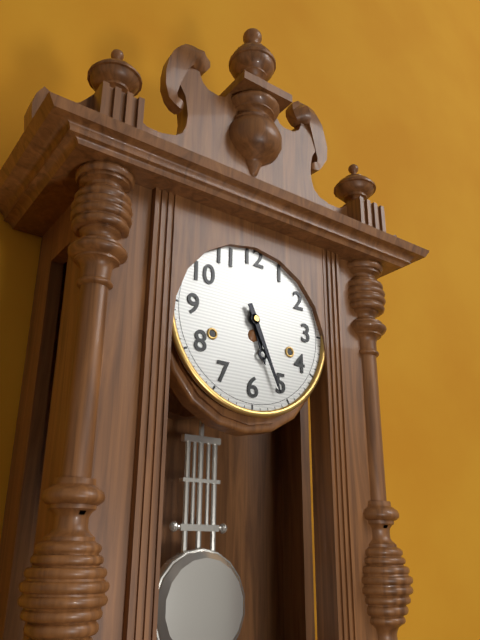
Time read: 5:26
